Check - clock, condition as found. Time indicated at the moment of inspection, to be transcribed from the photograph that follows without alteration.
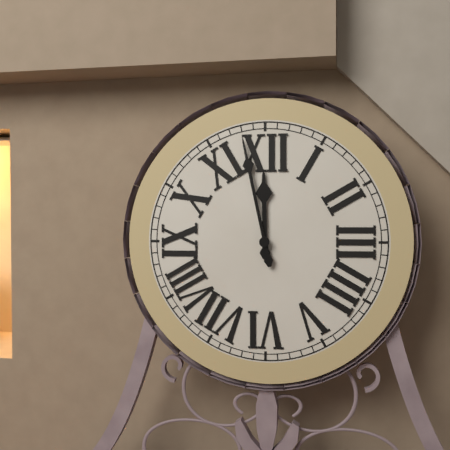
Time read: 11:58
